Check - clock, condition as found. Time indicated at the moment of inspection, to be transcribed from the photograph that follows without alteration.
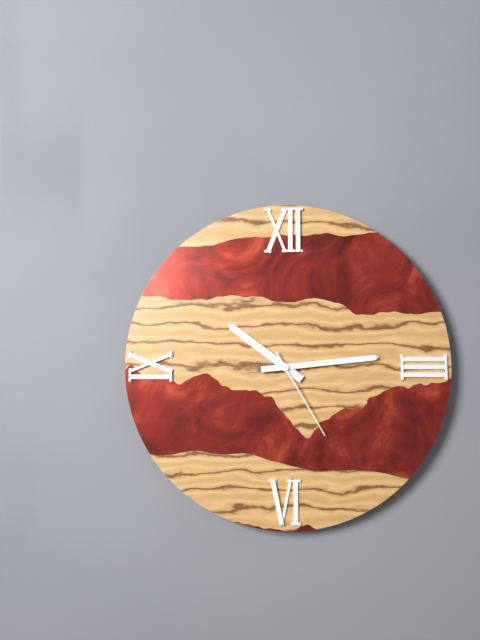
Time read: 10:14:25
